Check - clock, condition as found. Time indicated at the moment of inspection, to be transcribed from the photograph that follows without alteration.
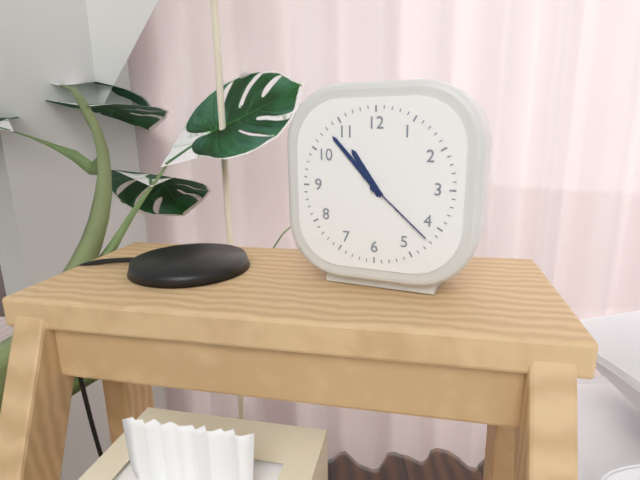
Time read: 10:53:22
